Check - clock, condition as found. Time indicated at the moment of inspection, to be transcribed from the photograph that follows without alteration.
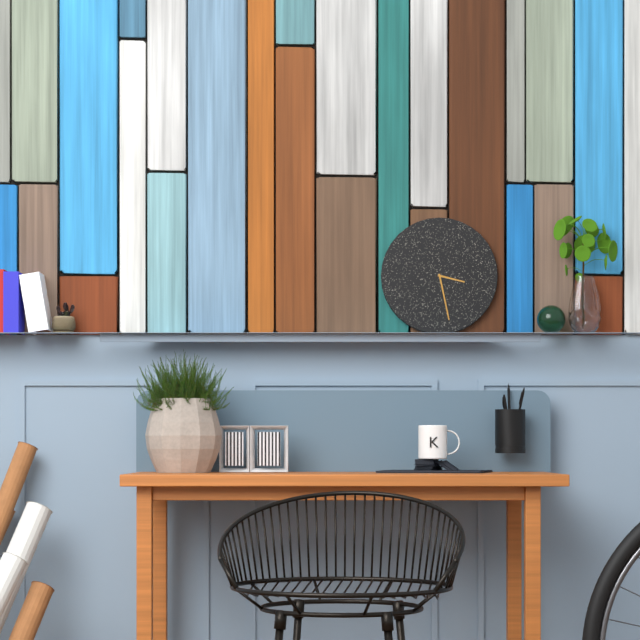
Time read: 3:28
